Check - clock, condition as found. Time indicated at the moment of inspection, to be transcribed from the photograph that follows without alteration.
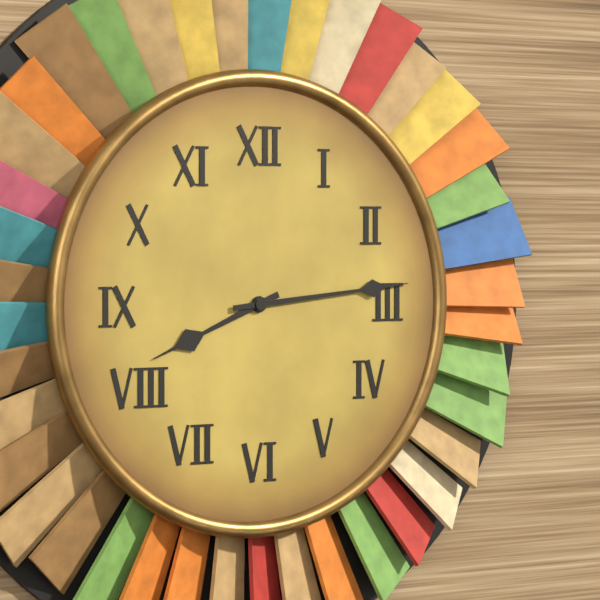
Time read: 8:14
